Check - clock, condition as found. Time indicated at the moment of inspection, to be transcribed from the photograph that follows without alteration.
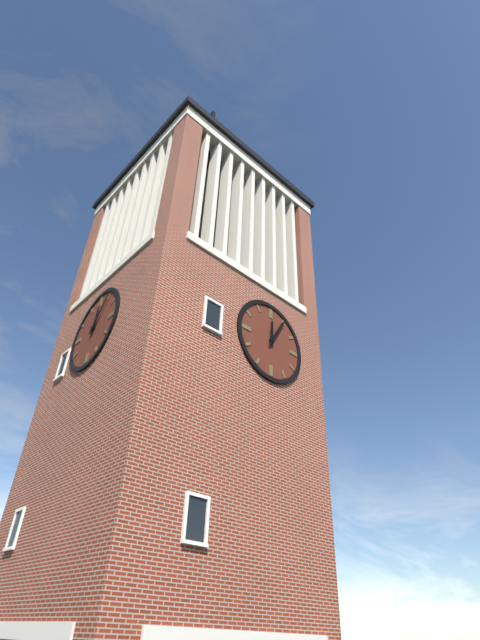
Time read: 12:05
